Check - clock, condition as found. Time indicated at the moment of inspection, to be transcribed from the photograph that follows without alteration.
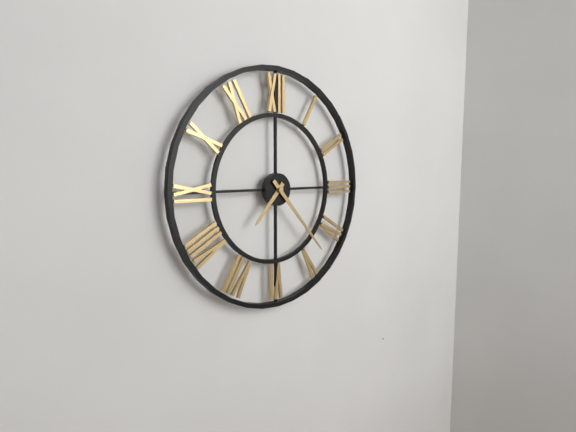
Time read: 7:23
